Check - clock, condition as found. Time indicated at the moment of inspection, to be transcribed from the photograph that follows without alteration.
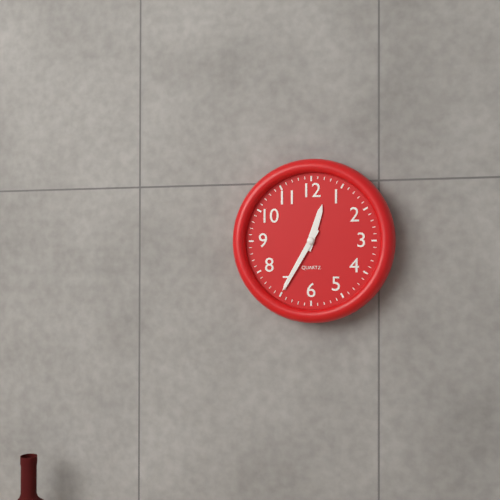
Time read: 12:35
